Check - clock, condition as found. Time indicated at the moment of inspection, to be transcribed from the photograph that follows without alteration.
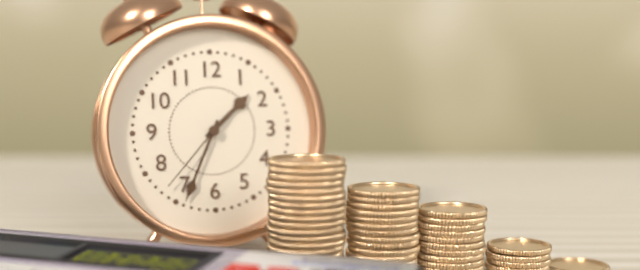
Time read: 1:34:37
